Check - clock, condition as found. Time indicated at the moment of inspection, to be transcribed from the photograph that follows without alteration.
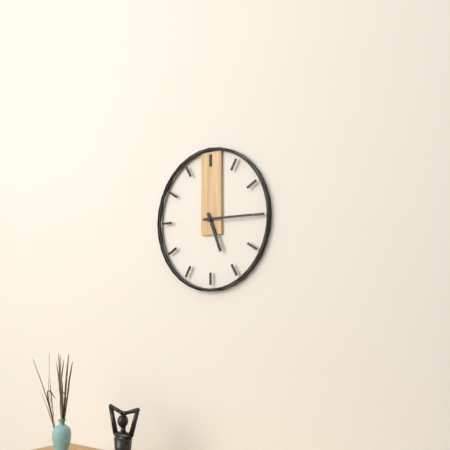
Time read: 5:15
